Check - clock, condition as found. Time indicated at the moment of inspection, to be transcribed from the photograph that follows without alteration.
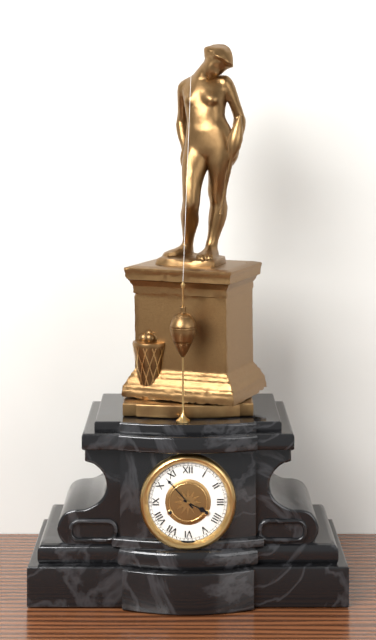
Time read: 3:53
